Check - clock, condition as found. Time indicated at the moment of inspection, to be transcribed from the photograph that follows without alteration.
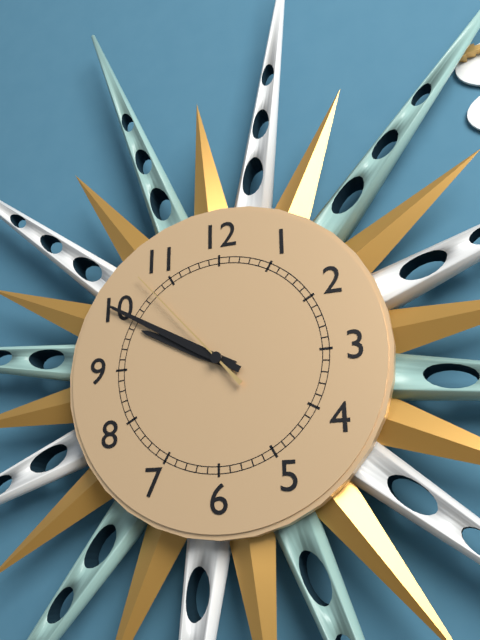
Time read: 9:50:53
